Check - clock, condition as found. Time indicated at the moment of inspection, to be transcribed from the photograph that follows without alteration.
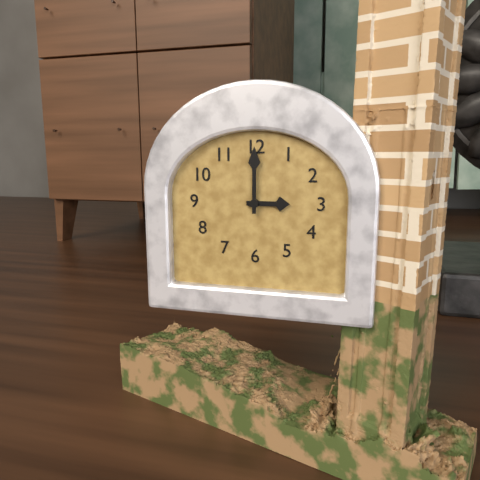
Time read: 3:00
